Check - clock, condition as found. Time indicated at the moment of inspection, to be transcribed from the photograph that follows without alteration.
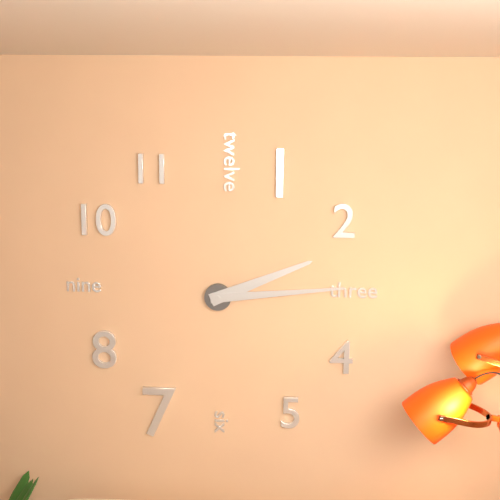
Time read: 2:14
